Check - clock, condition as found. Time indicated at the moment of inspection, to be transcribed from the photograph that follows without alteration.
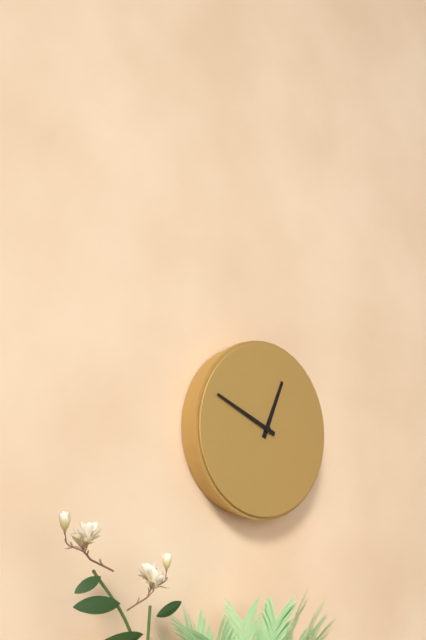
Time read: 12:49
